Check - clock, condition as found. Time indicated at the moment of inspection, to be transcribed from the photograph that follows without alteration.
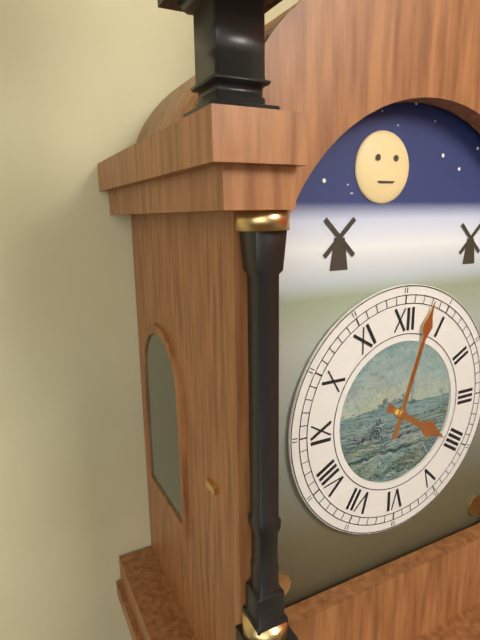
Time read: 4:03
